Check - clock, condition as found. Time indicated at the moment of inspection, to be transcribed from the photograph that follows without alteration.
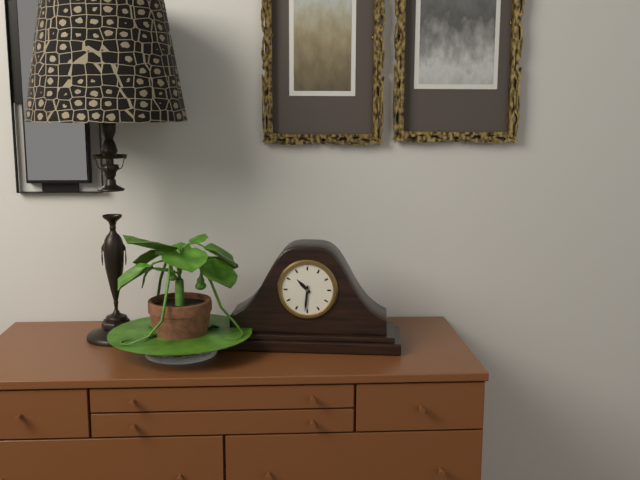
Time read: 10:31
